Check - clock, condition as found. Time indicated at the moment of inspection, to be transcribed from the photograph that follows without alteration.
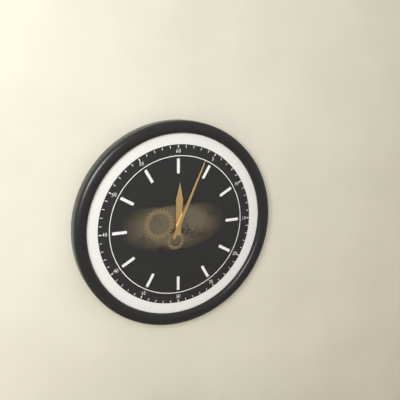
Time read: 12:04
